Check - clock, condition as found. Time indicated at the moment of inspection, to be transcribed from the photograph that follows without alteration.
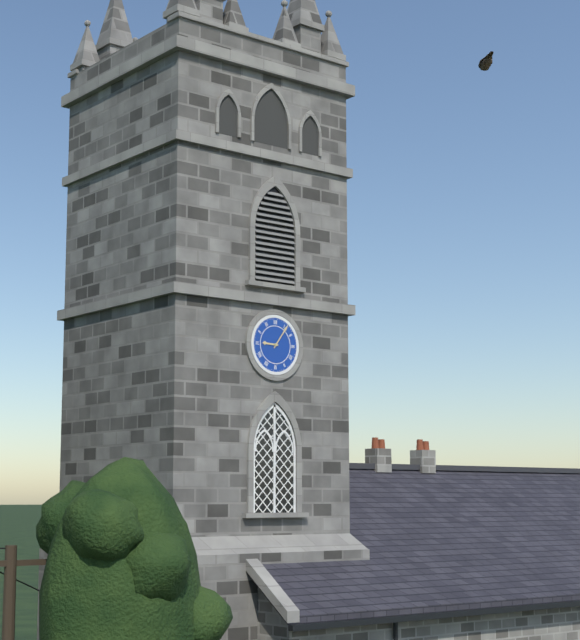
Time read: 9:06
